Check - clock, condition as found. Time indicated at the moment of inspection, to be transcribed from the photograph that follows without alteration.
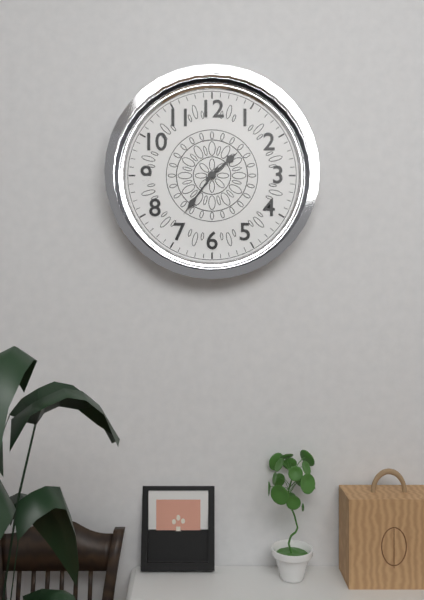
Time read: 1:36
